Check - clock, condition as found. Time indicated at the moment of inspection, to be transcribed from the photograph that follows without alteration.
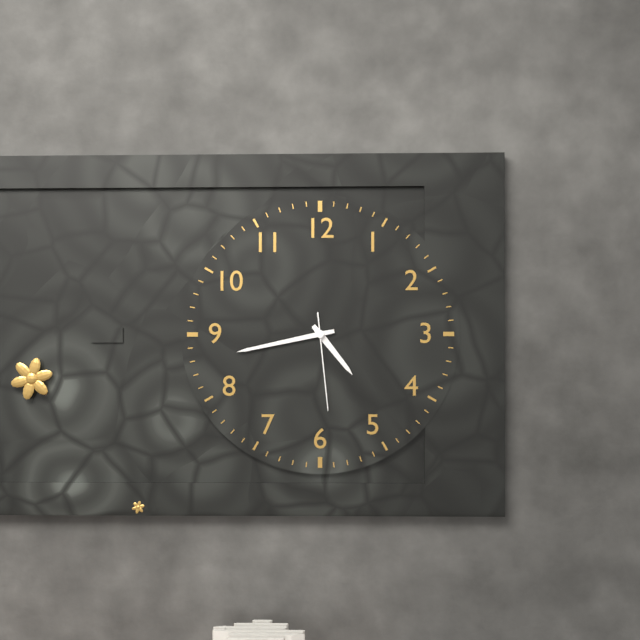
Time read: 4:43:29
